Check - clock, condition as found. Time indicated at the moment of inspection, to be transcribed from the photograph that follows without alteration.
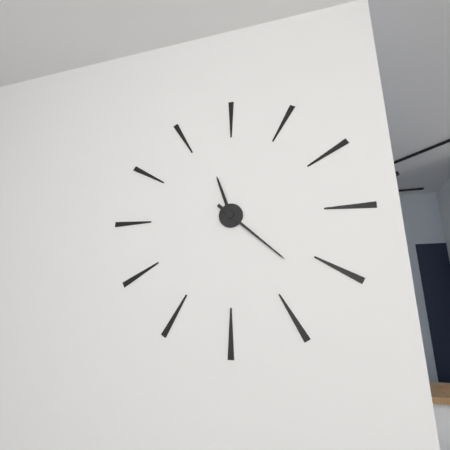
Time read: 11:22
